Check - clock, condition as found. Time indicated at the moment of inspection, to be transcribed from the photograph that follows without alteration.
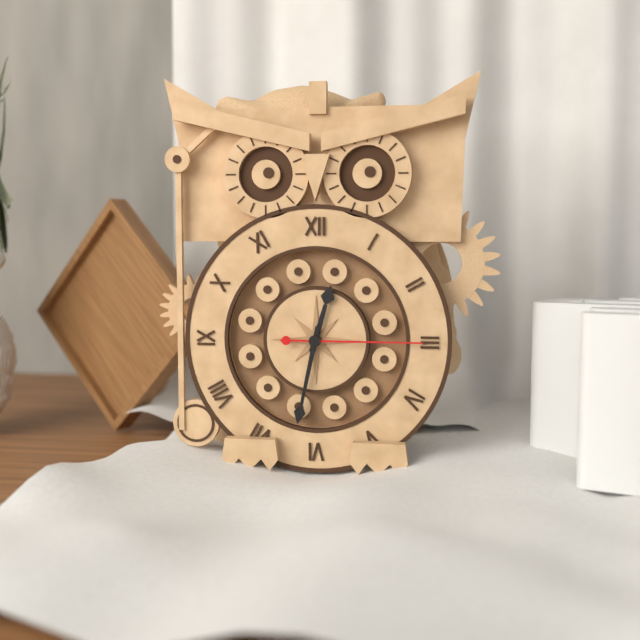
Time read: 12:32:15
